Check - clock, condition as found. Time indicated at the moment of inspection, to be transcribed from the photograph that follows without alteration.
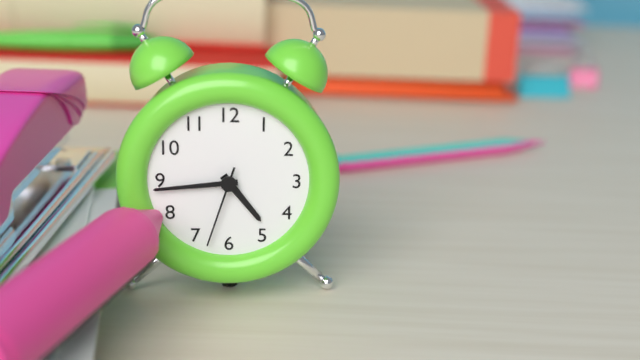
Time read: 4:44:33
